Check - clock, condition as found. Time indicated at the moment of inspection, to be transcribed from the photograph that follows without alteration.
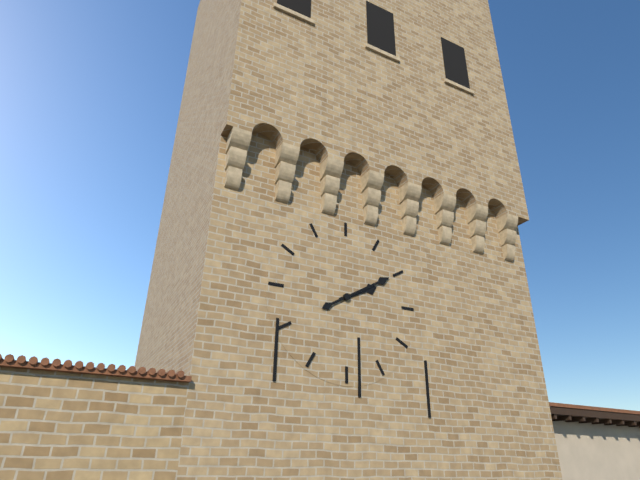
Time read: 2:10
